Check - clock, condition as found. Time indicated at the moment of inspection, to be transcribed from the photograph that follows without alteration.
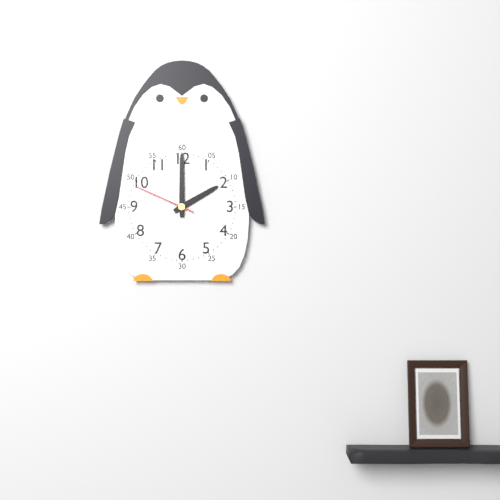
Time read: 2:00:49
